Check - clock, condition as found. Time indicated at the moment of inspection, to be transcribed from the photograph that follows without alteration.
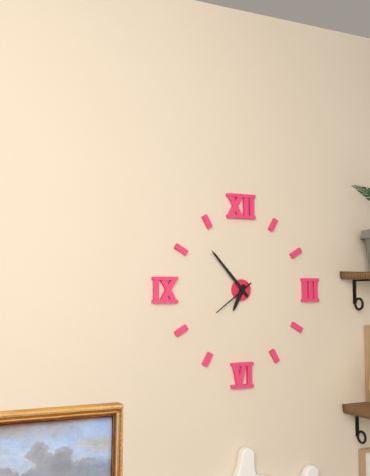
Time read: 6:53
